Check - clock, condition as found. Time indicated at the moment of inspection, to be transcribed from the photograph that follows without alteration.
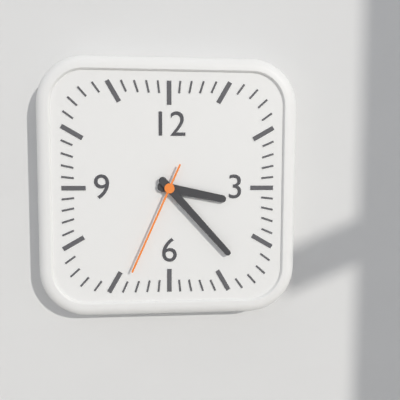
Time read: 3:23:34
